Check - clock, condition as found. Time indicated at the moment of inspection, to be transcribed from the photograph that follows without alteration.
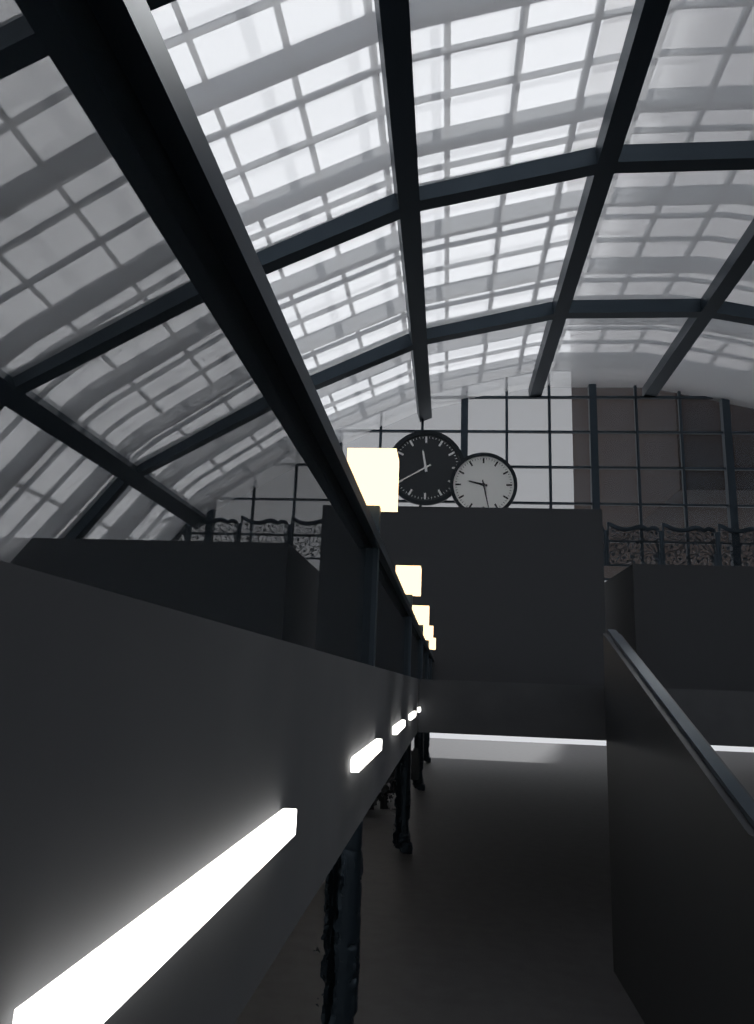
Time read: 9:28
